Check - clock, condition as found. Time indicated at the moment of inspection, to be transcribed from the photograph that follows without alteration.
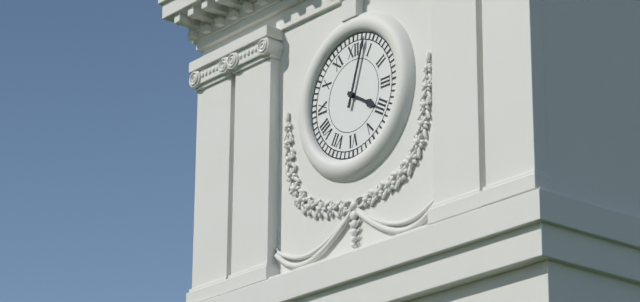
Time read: 4:03
